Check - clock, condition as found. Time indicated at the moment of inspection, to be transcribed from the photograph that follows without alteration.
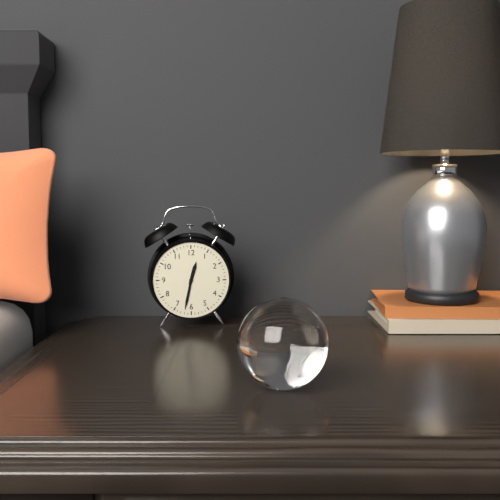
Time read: 12:32
